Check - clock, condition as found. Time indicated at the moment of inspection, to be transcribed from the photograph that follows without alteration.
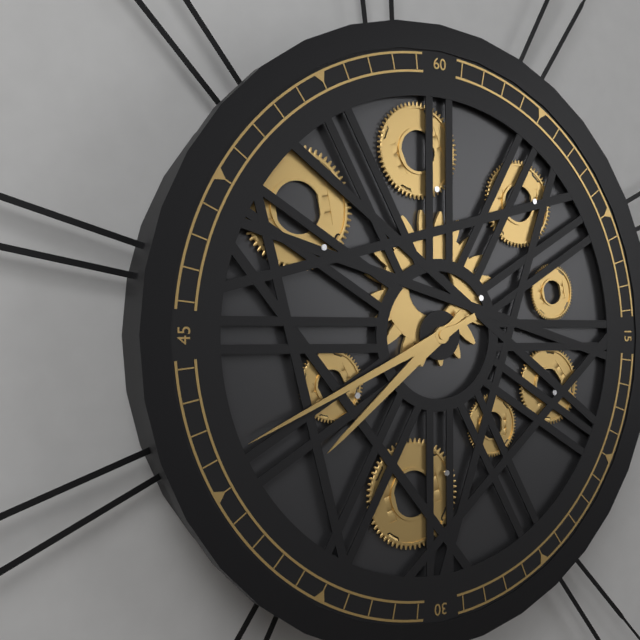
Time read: 7:41
